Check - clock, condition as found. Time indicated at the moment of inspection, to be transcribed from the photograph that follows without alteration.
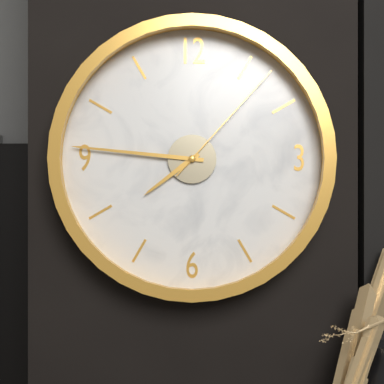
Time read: 7:46:07
